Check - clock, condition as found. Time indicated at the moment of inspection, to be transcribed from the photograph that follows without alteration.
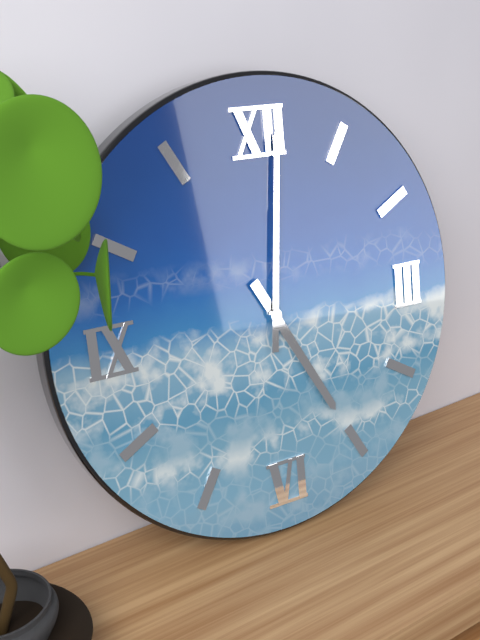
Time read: 5:01
